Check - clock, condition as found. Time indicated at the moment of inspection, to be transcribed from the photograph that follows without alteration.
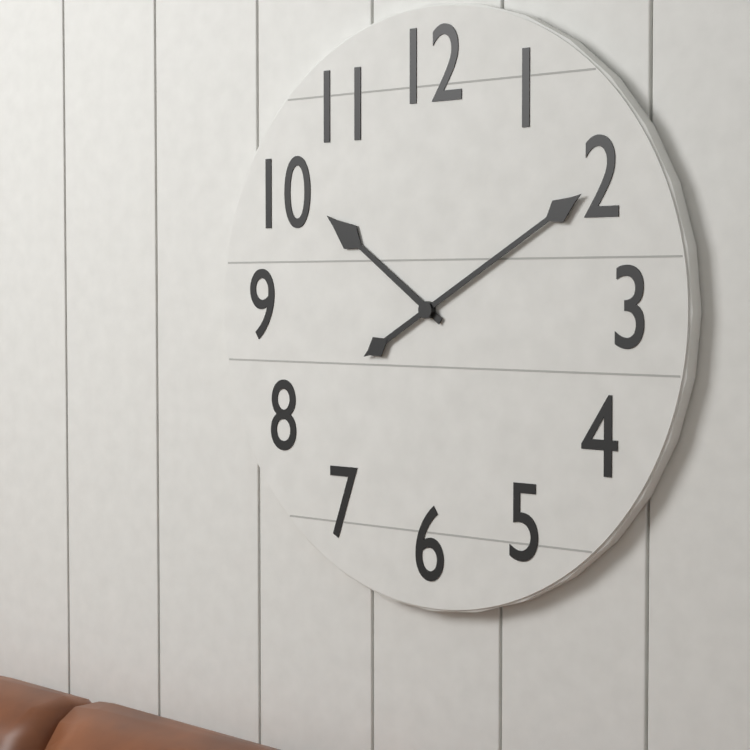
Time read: 10:10
